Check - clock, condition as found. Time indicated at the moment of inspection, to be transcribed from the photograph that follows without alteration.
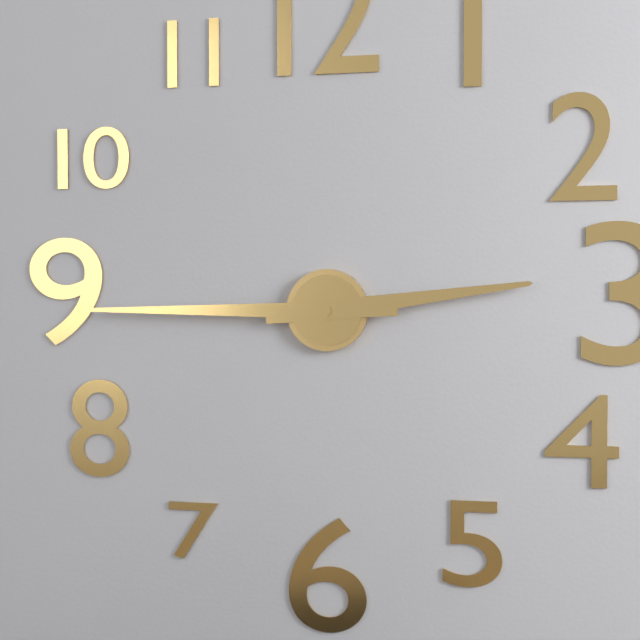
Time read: 2:45
